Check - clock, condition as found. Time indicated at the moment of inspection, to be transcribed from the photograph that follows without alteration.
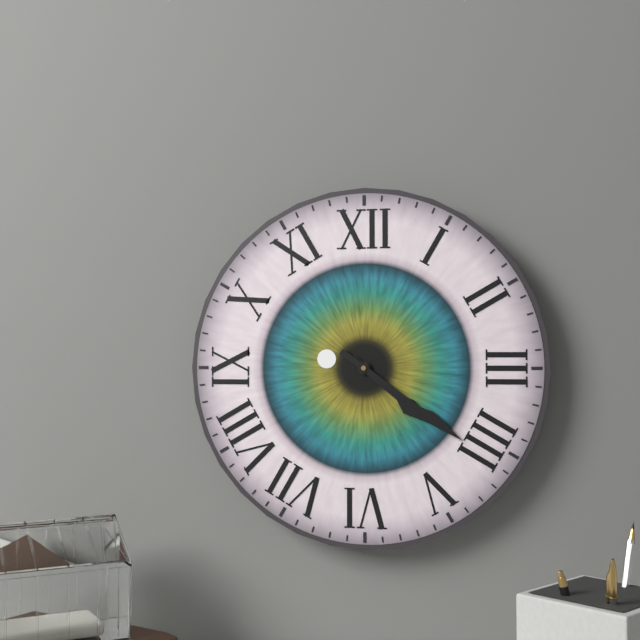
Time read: 4:21
